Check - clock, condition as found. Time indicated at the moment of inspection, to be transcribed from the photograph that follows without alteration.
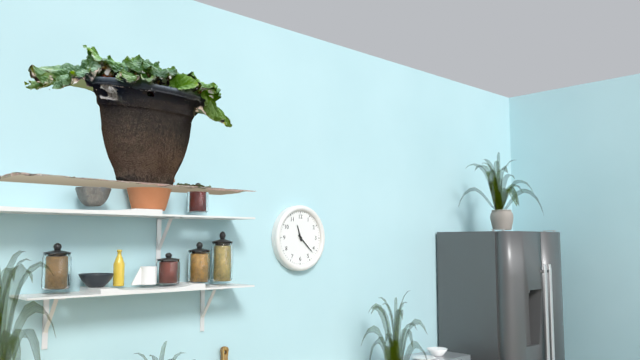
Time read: 11:22
